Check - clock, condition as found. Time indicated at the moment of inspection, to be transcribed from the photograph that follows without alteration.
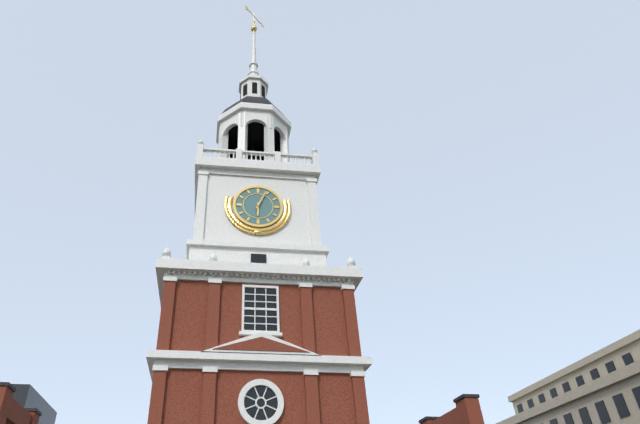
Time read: 6:04
